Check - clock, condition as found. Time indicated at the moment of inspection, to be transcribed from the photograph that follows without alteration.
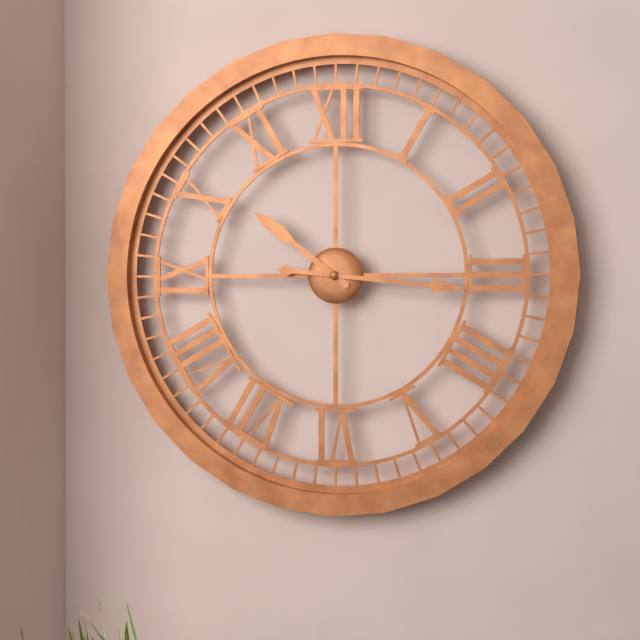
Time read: 10:16
